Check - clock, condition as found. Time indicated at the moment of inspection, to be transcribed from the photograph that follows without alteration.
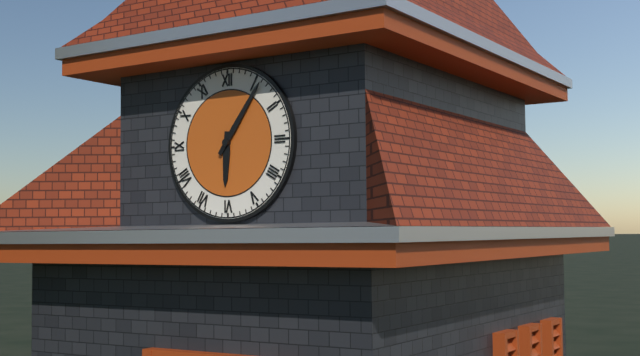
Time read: 6:06
